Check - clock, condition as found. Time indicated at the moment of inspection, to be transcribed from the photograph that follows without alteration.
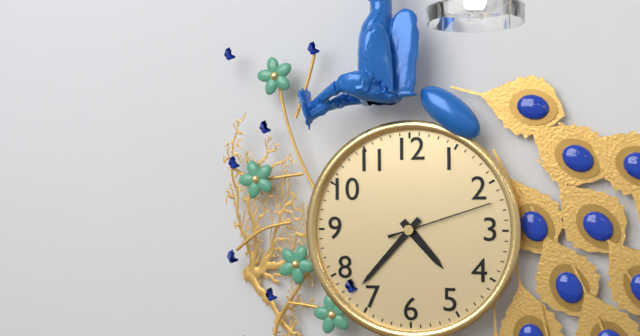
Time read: 4:37:12
